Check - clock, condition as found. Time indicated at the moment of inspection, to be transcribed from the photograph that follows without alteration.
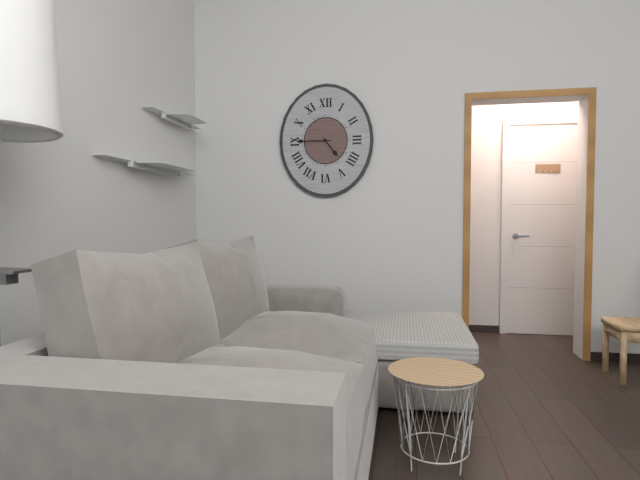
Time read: 4:45
